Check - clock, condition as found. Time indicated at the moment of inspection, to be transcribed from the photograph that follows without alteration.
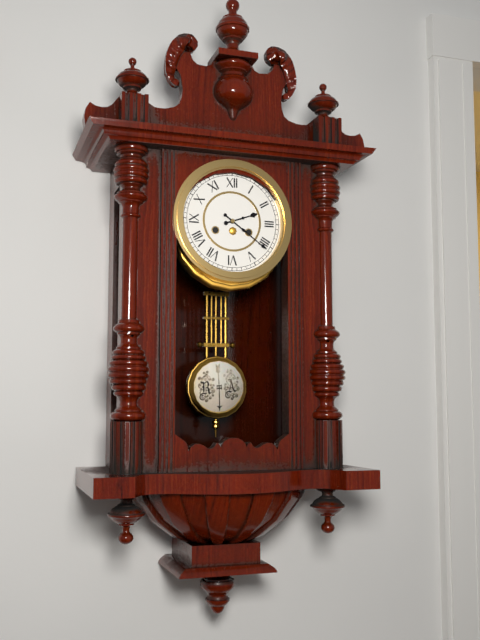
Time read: 2:21
